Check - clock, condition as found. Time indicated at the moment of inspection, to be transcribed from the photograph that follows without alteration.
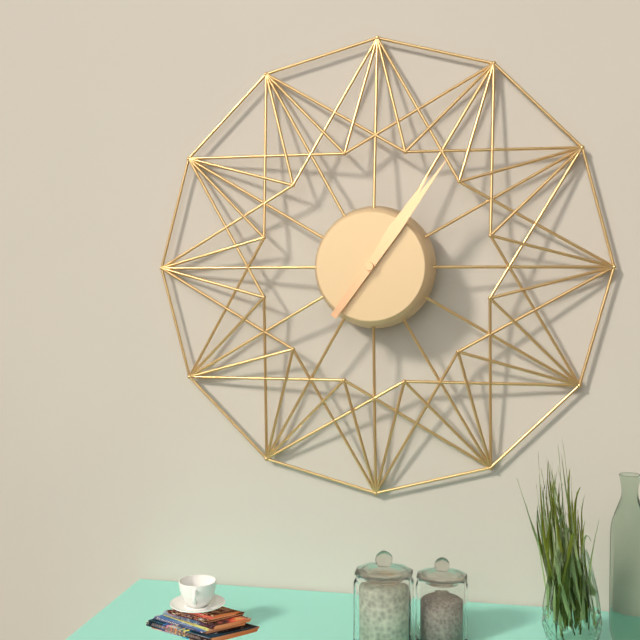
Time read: 1:06
